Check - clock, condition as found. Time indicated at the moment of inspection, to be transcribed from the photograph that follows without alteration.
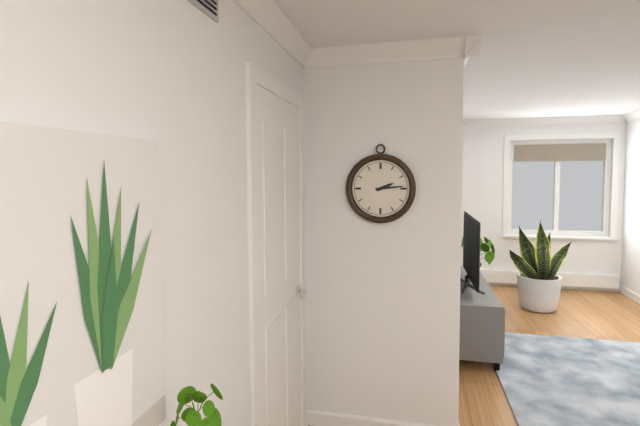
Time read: 2:14
